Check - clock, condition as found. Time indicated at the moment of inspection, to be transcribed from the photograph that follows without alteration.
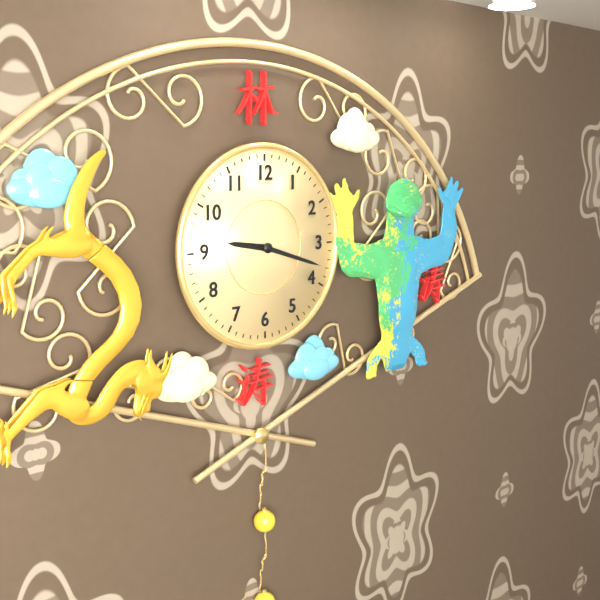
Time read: 9:18
